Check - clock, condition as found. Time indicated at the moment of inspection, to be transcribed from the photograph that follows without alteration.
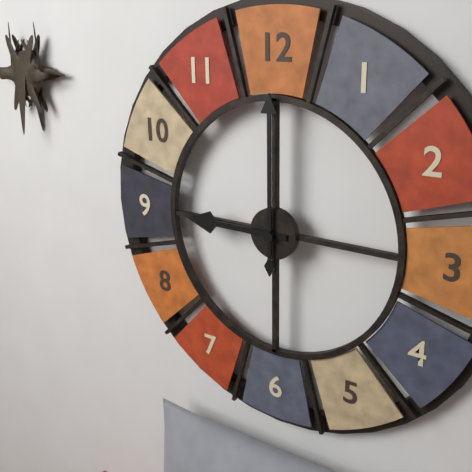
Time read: 9:00
